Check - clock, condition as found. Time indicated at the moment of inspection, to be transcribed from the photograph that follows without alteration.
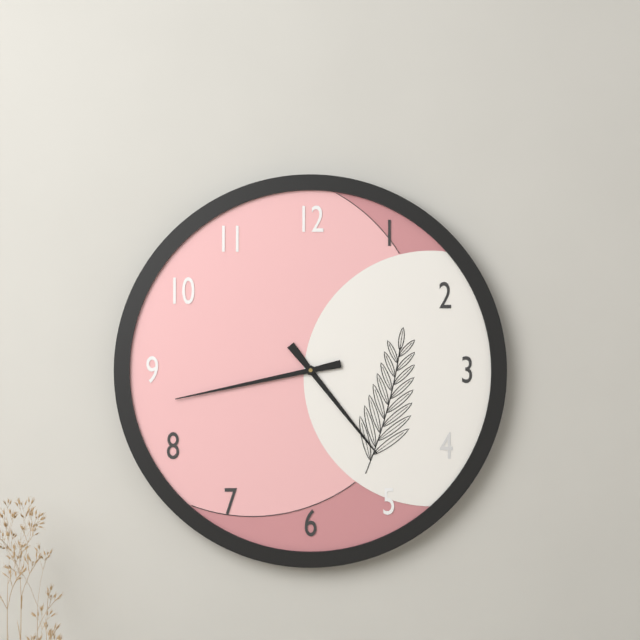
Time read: 4:43
